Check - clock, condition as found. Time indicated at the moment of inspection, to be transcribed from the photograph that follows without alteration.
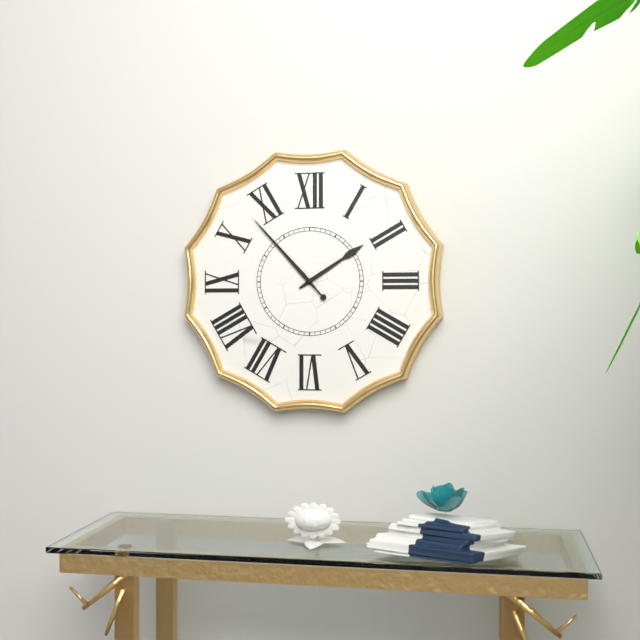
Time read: 1:53
